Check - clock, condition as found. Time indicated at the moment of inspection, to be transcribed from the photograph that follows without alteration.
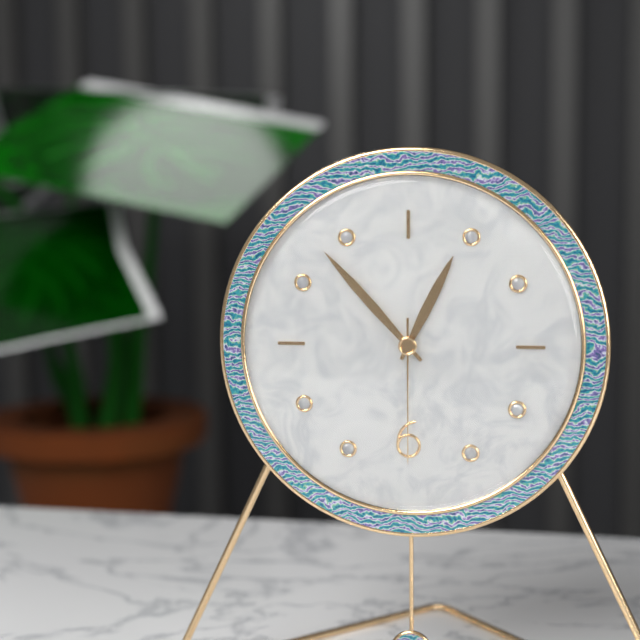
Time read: 12:53:30
